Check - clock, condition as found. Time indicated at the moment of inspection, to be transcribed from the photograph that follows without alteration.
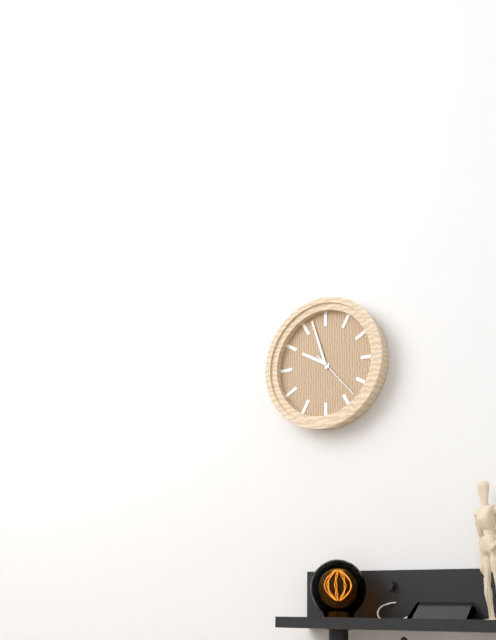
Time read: 9:57:23
